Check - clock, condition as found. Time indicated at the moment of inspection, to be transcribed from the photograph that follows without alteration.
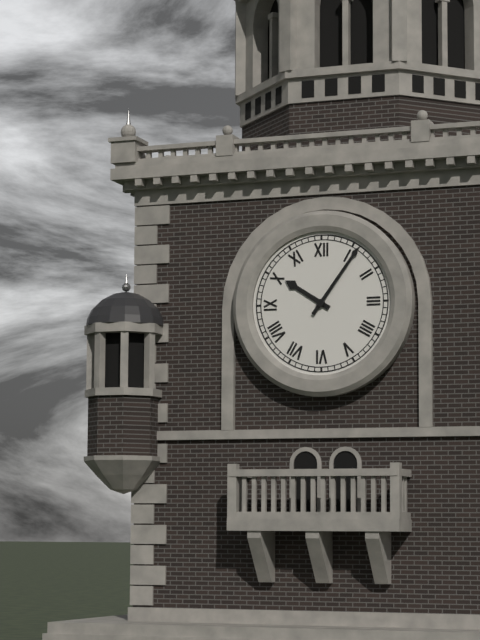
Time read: 10:06
